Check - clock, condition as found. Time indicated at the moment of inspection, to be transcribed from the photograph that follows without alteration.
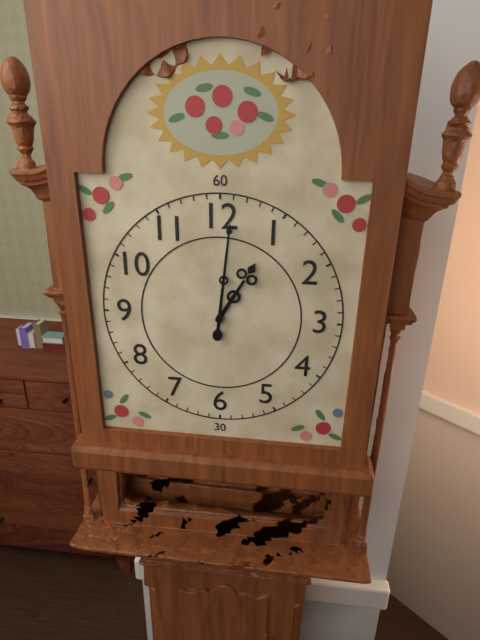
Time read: 1:01
